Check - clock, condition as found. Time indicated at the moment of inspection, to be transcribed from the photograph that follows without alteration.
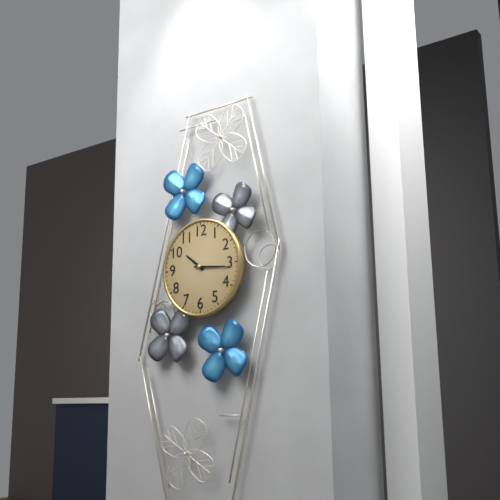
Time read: 10:16
